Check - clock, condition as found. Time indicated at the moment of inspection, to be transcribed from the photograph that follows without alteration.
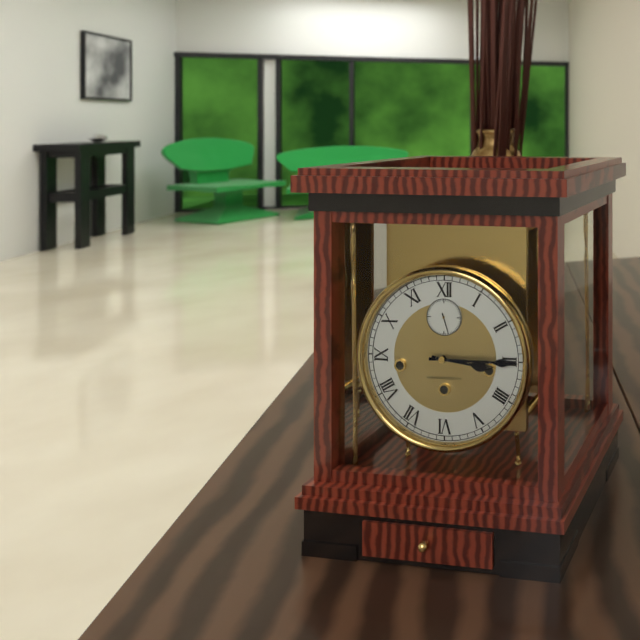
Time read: 3:15
